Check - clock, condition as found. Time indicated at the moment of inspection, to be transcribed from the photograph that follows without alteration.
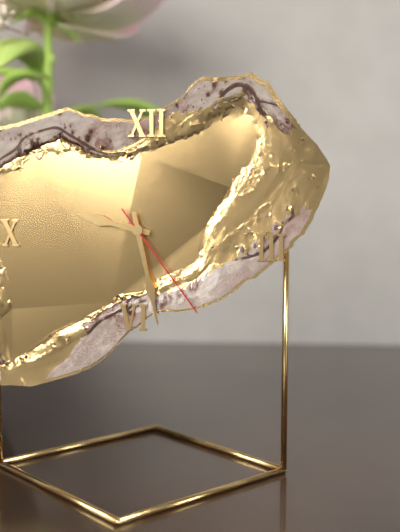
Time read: 9:28:24
